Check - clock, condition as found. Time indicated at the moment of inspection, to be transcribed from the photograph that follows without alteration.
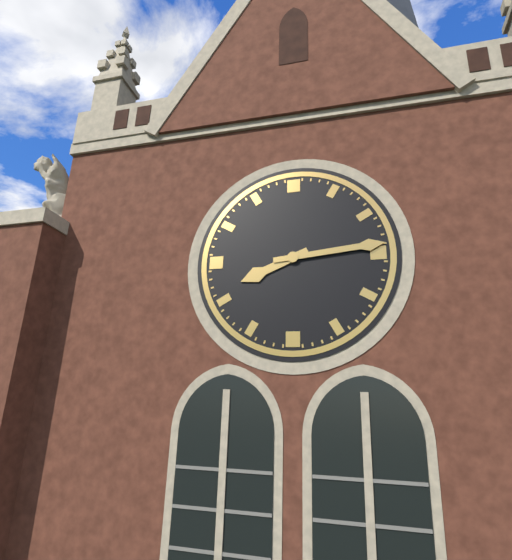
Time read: 8:14
